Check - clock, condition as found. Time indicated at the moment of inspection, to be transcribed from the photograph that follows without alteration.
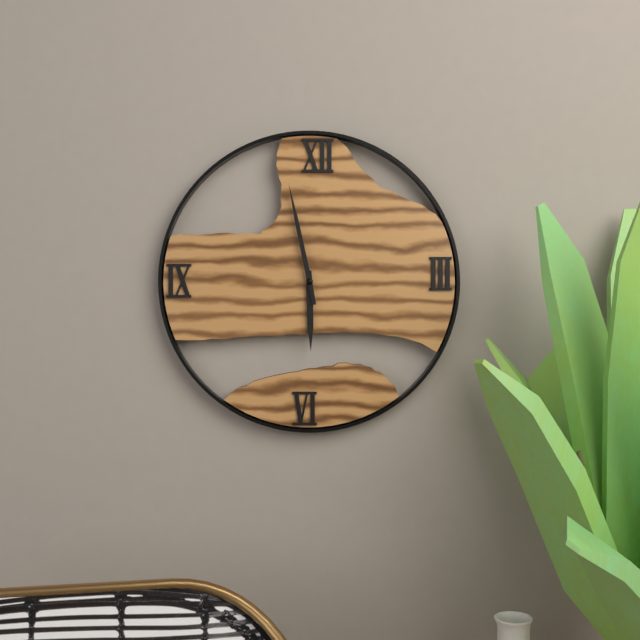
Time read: 5:58
